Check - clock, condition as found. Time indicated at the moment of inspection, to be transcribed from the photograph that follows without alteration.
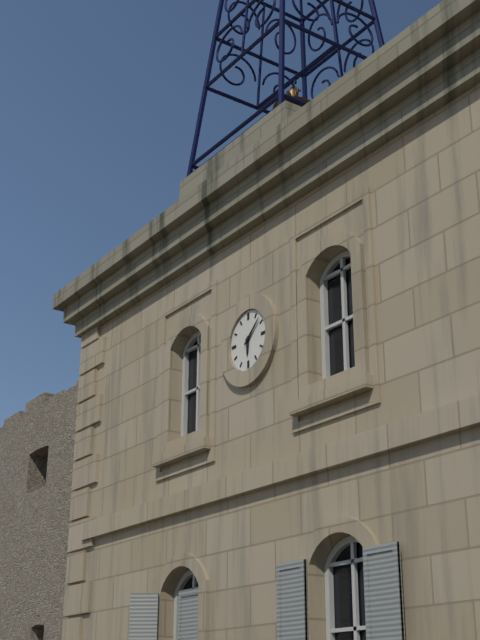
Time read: 6:08
